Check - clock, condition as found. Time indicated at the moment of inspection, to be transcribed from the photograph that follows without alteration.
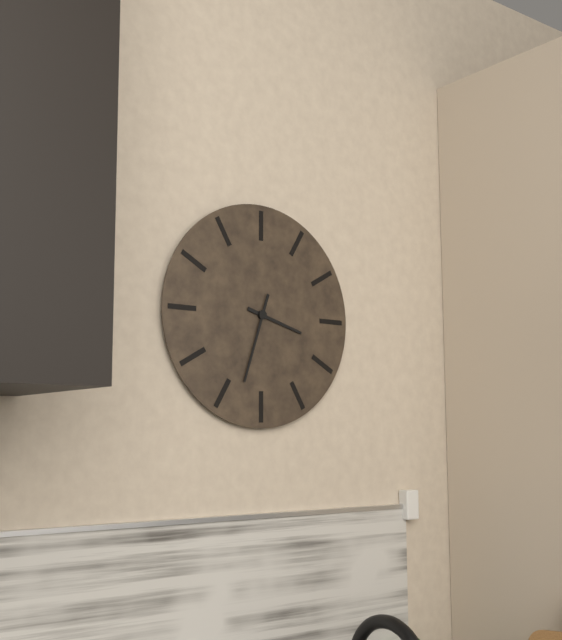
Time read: 3:33
